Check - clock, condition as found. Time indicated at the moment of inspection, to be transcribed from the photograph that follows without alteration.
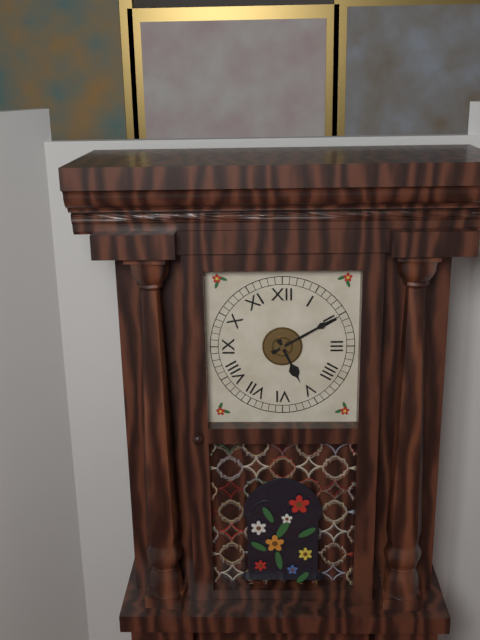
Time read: 5:10
